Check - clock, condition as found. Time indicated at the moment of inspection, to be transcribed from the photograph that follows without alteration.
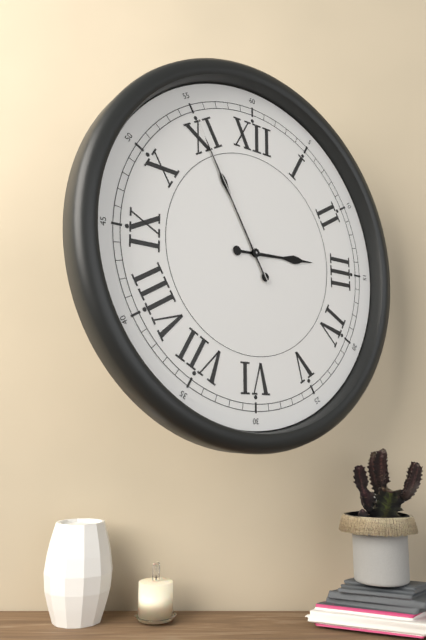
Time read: 2:55:55
